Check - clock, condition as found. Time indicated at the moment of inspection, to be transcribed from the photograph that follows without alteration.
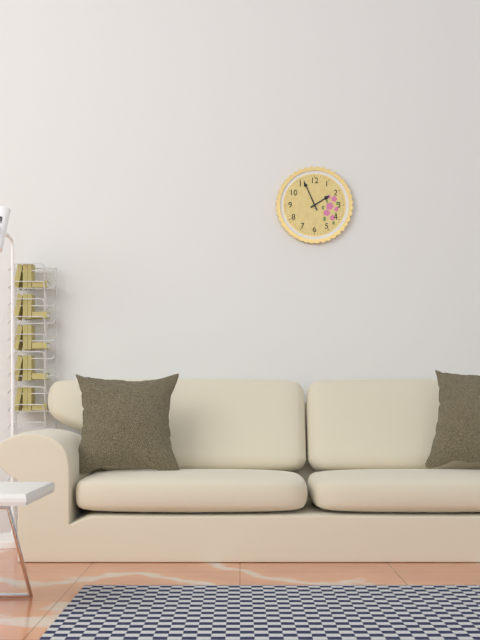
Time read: 1:56
